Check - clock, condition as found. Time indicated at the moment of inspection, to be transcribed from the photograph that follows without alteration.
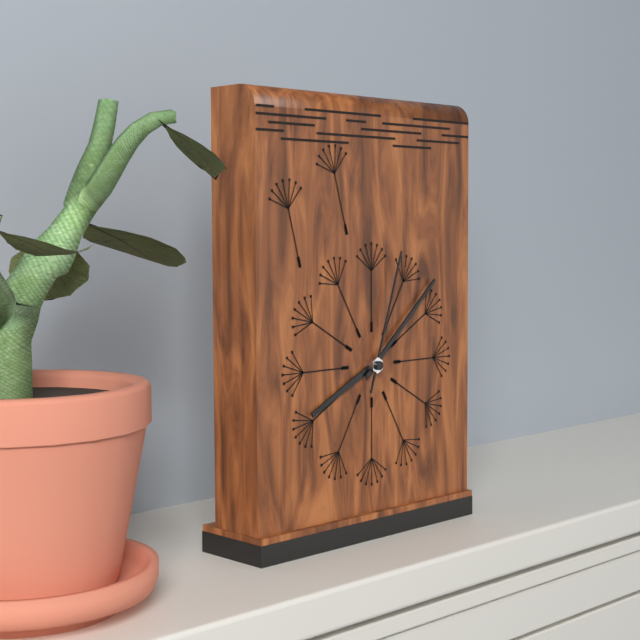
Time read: 8:08:03
